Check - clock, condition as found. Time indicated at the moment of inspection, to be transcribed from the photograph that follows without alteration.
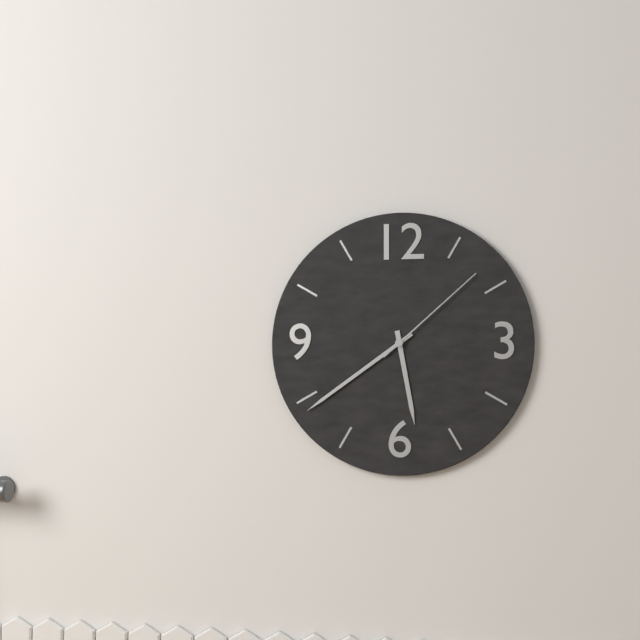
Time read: 5:39:08
